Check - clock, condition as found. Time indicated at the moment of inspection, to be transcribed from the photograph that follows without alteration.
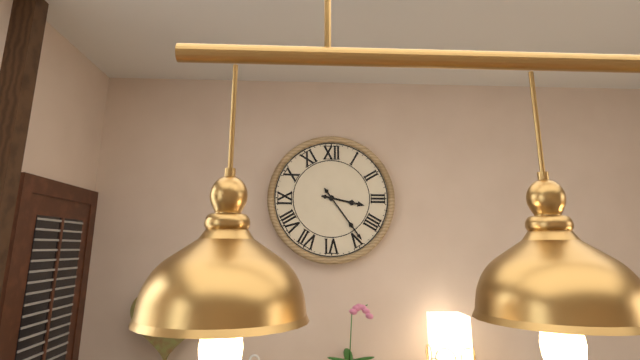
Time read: 3:24
